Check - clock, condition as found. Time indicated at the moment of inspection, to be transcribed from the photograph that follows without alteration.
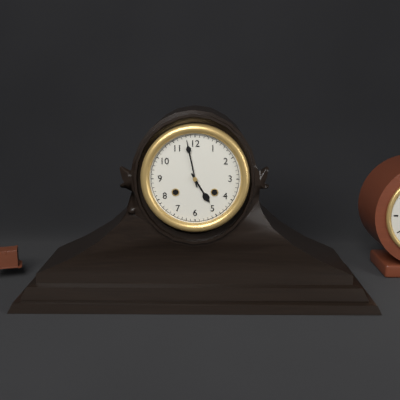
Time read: 4:58
